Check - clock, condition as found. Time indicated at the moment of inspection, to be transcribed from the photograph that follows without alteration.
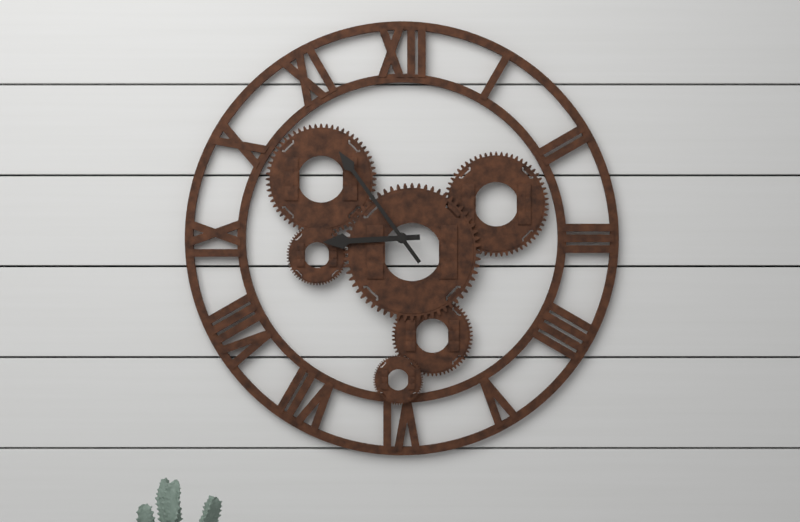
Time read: 8:54
